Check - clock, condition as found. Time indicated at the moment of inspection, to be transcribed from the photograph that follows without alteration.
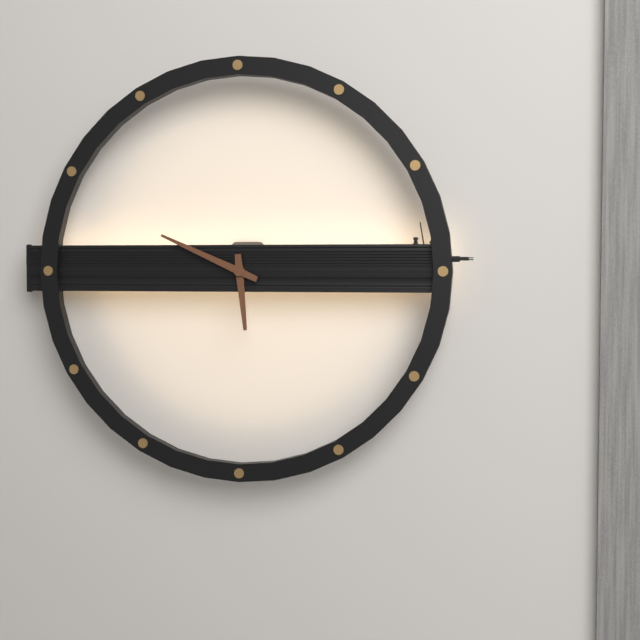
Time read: 5:49
